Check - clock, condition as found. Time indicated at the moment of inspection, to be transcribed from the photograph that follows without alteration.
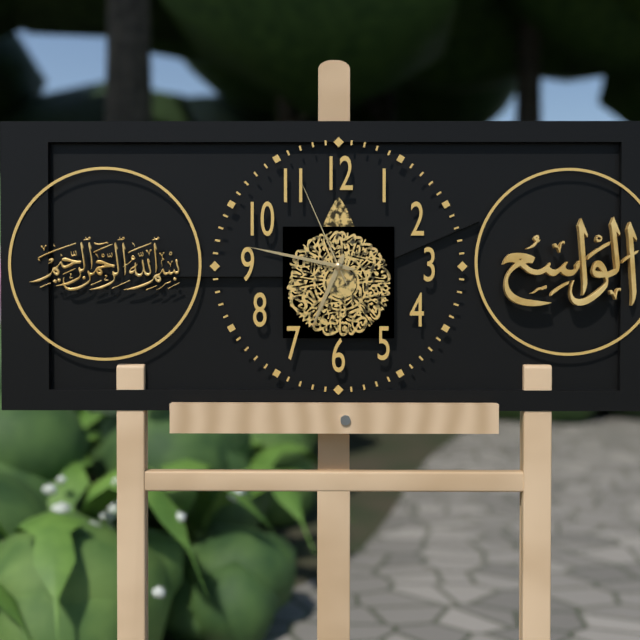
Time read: 6:47:56
